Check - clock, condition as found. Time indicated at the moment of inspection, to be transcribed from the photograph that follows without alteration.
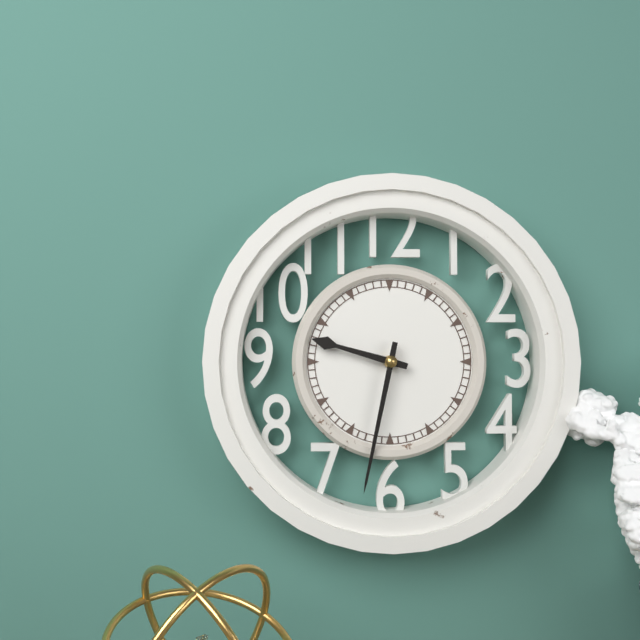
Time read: 9:32
